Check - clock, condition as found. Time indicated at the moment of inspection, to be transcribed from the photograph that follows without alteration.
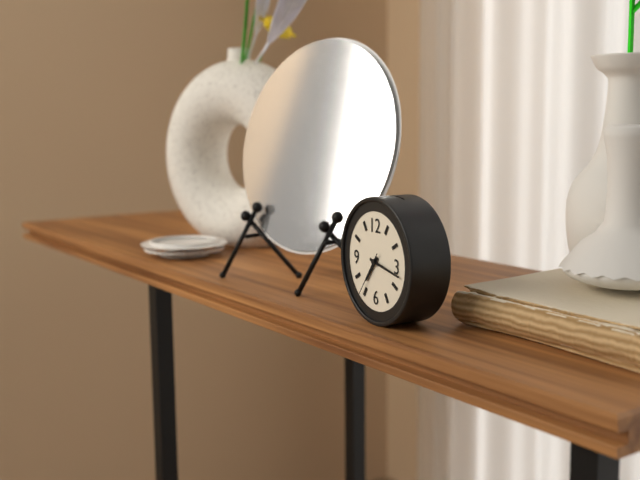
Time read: 7:17
